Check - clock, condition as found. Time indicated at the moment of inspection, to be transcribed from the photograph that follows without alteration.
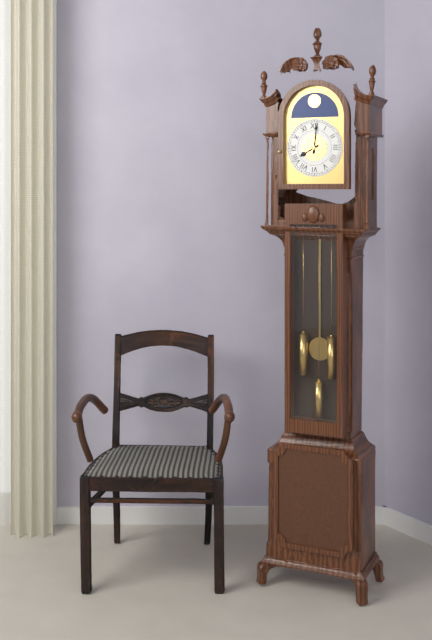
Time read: 8:01
